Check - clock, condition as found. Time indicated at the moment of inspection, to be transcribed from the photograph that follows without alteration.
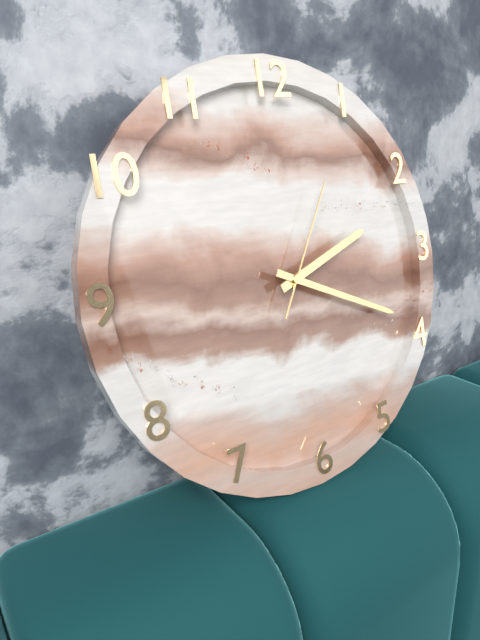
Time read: 2:19:05
